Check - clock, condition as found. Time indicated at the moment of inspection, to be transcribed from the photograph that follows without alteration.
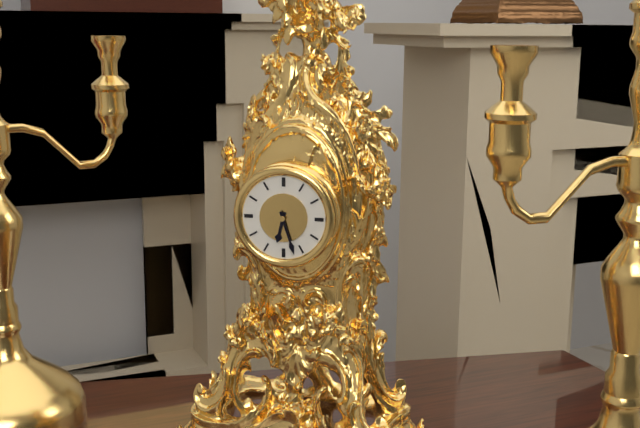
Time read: 6:27
